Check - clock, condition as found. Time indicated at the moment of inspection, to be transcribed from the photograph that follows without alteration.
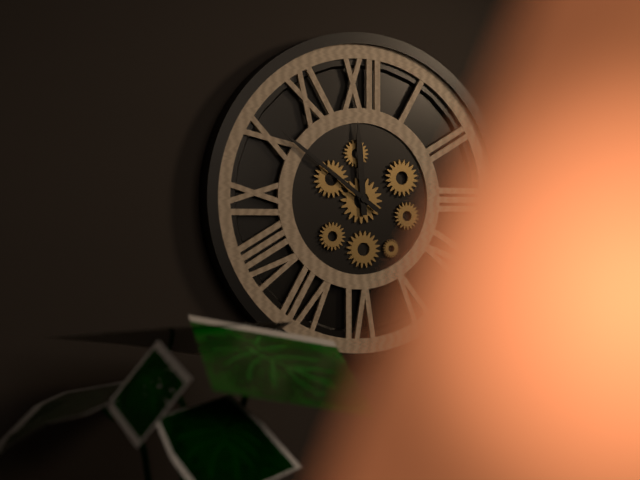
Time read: 11:51
